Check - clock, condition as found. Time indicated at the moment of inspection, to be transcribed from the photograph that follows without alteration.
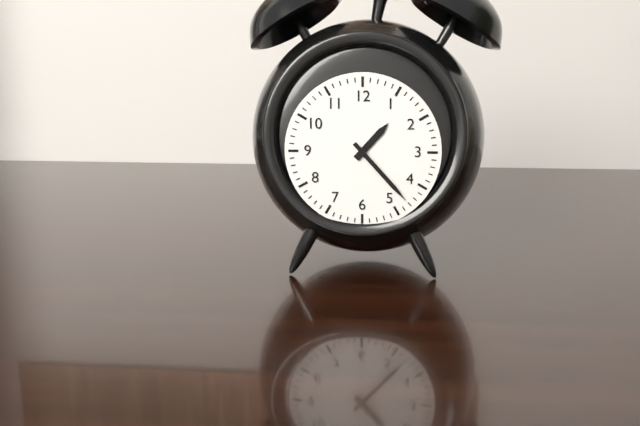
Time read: 1:23
